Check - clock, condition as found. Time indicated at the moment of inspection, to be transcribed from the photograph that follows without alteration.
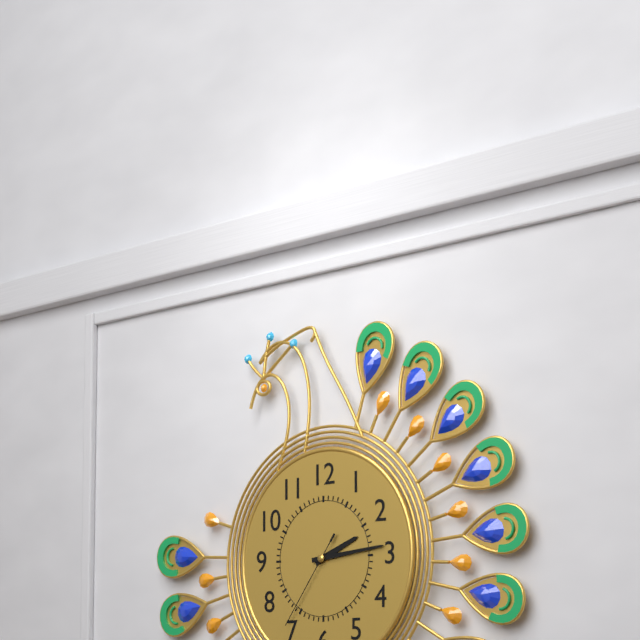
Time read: 2:14:36
